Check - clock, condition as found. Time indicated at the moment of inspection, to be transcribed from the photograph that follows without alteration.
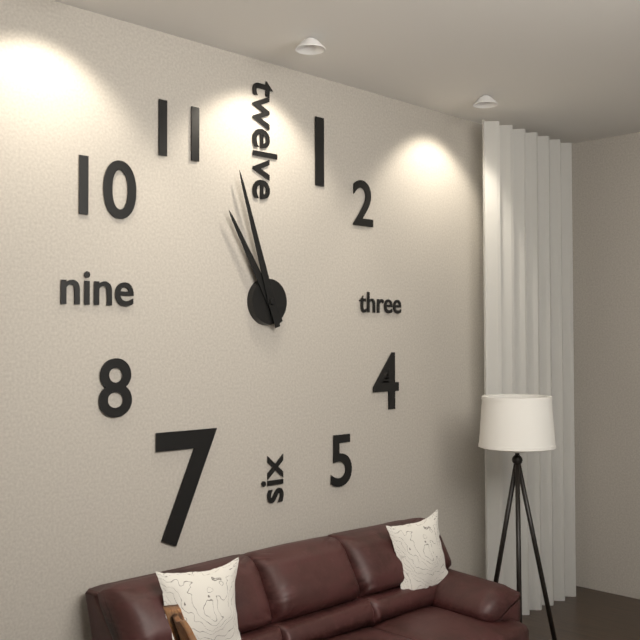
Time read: 10:57
